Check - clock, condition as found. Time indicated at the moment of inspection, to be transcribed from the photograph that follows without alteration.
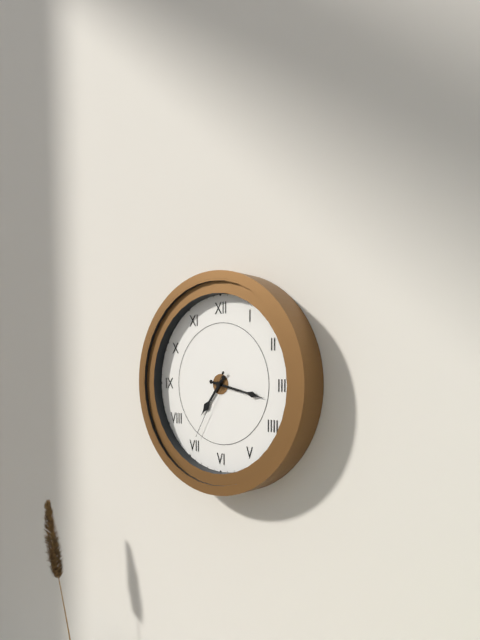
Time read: 7:17:35
